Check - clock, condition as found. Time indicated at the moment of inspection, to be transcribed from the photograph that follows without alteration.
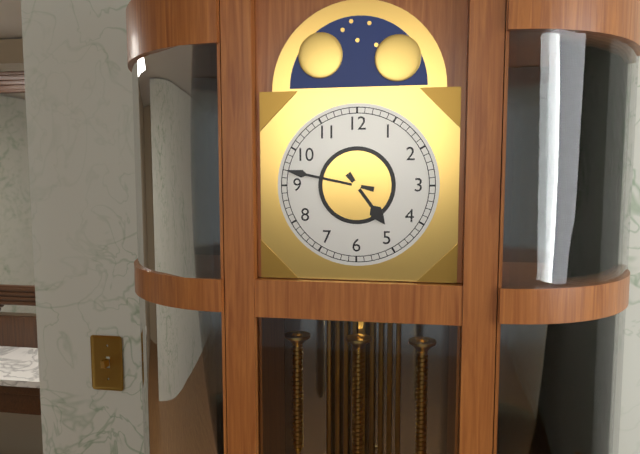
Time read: 4:47
